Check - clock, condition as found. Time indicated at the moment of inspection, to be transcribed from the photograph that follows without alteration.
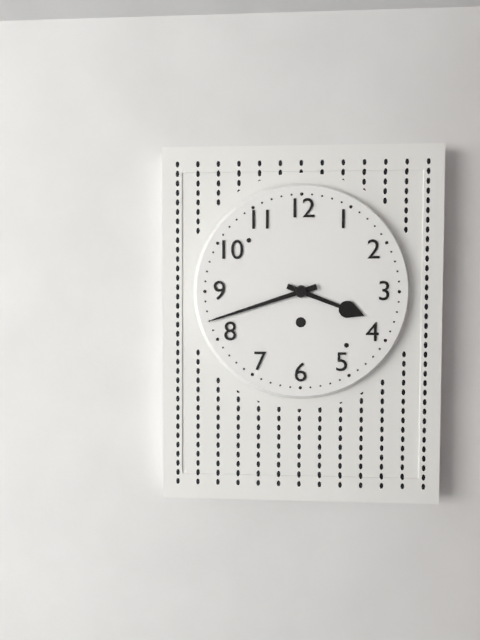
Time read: 3:42
